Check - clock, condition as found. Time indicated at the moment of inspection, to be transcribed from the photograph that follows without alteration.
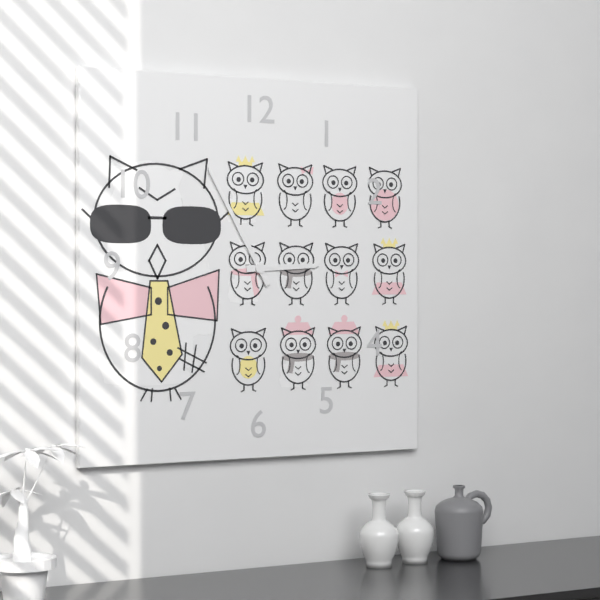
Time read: 2:55
